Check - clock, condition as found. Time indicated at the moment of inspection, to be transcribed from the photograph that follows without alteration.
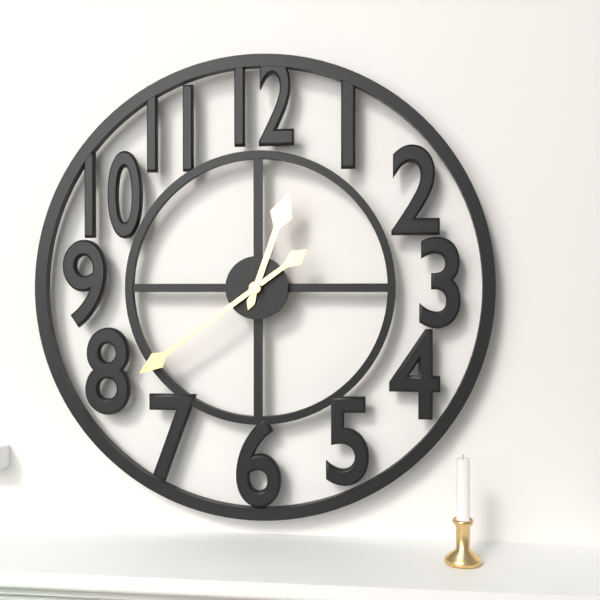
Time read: 12:39
